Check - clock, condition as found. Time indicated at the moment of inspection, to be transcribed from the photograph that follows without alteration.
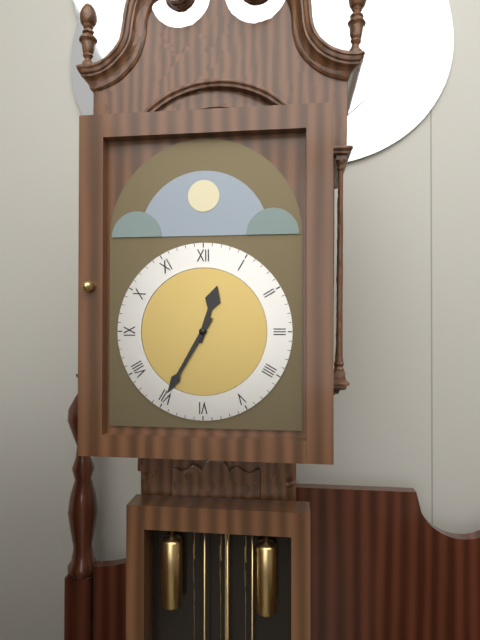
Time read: 12:35
